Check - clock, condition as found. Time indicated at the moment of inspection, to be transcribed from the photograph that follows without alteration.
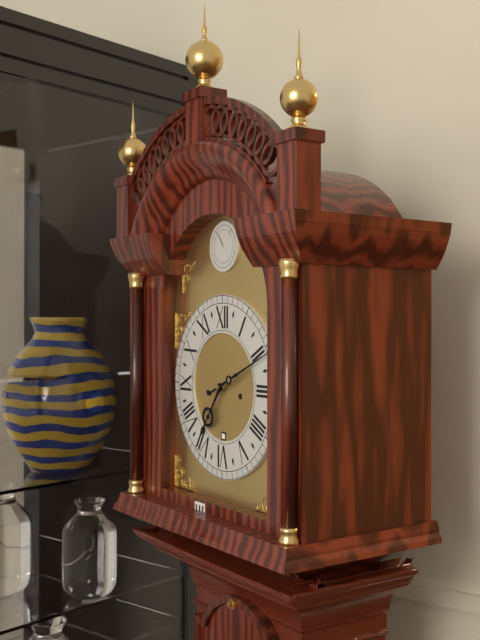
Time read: 7:11
